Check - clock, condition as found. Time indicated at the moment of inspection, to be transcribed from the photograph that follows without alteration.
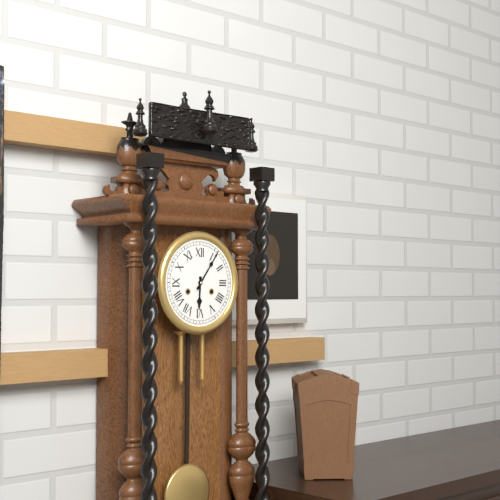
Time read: 6:06
